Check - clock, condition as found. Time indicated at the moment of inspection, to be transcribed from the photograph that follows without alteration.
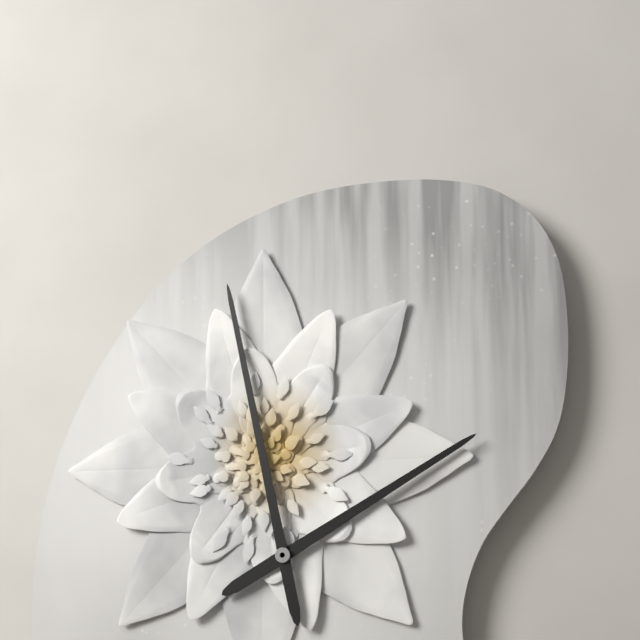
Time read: 1:58
